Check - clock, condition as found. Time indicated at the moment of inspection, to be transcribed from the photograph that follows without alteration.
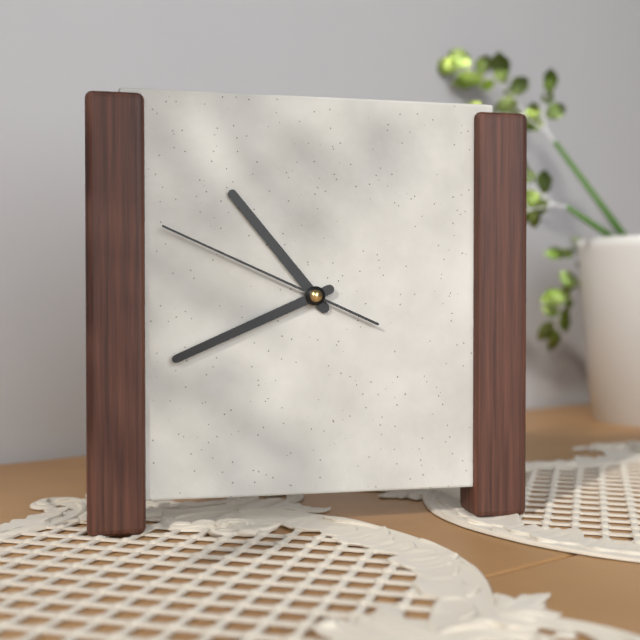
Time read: 10:41:49
